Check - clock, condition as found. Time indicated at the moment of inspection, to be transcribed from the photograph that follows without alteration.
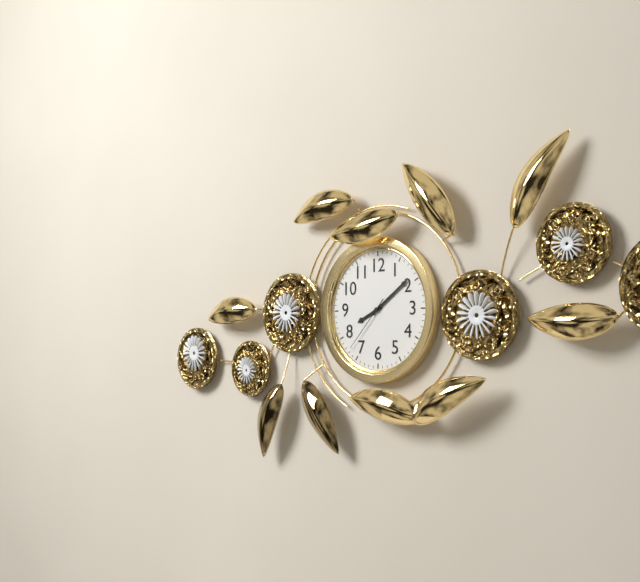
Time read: 8:09:37
